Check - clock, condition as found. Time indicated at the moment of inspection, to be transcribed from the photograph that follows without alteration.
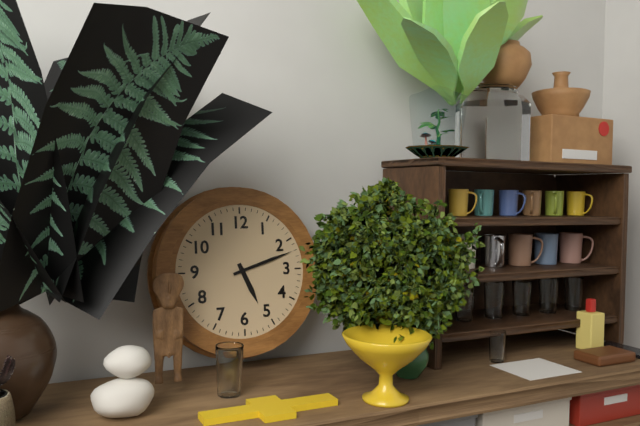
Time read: 5:12
